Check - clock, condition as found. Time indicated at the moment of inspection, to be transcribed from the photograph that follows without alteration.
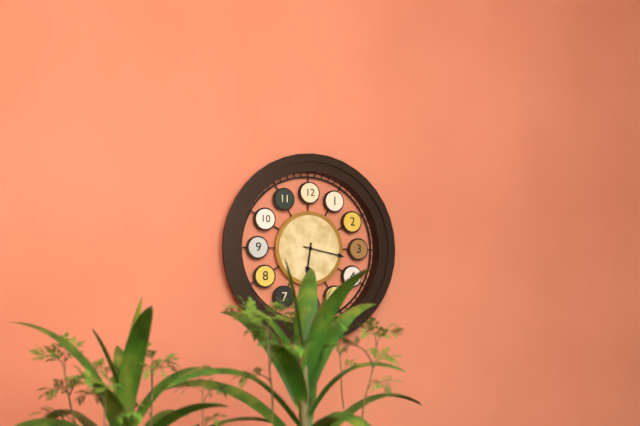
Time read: 6:17
